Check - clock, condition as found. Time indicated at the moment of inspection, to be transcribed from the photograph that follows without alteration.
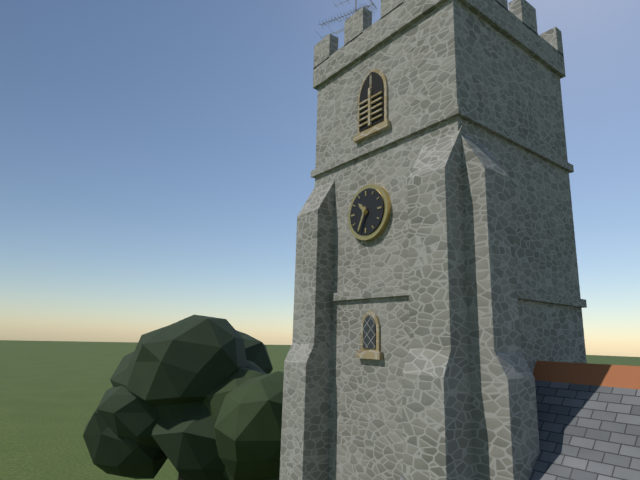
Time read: 10:34
